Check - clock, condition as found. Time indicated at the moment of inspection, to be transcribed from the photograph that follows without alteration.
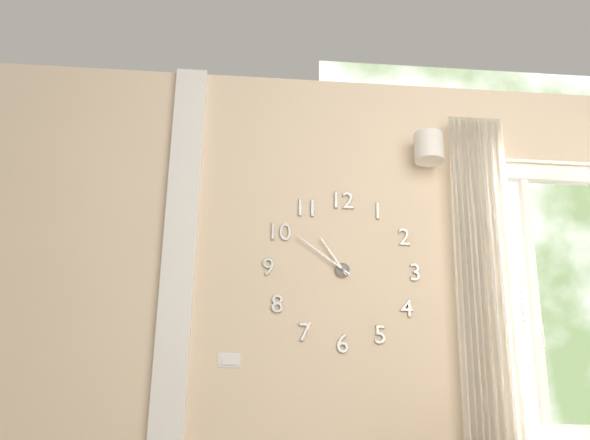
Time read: 10:51
